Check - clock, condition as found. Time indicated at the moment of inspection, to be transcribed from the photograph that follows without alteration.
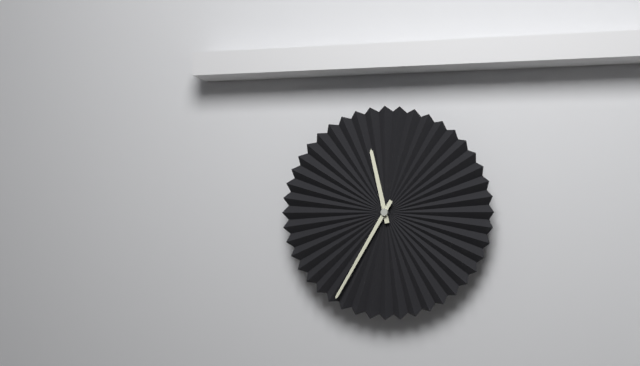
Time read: 11:35
